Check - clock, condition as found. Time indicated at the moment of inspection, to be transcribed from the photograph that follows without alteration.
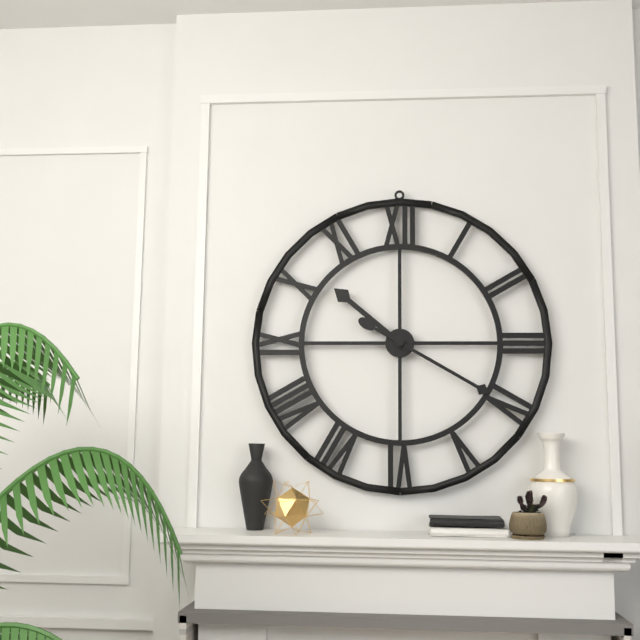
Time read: 10:20
